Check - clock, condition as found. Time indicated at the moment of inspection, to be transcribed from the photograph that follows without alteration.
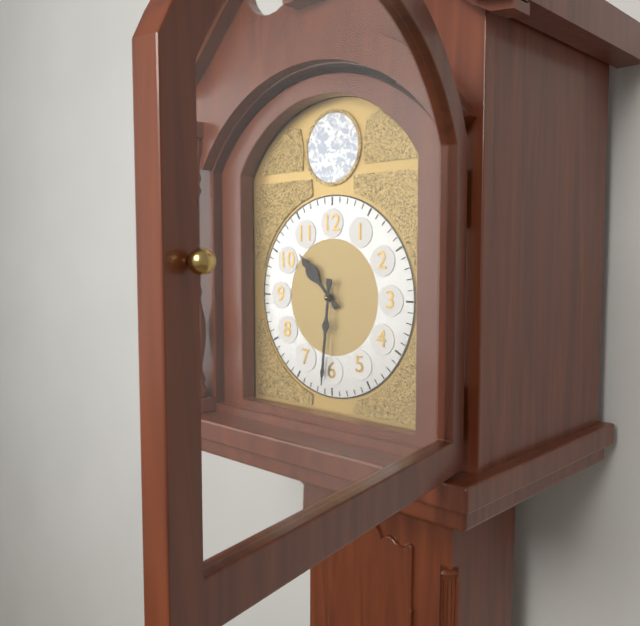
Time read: 10:31
